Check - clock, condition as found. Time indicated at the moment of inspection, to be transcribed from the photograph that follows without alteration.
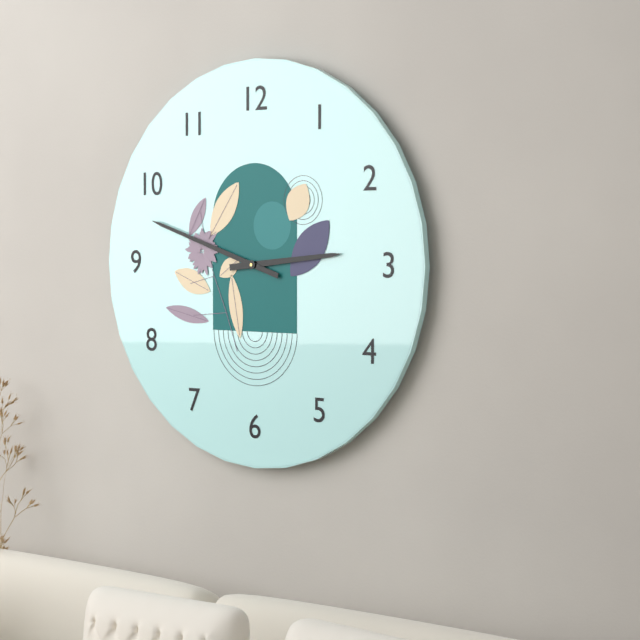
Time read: 2:48
